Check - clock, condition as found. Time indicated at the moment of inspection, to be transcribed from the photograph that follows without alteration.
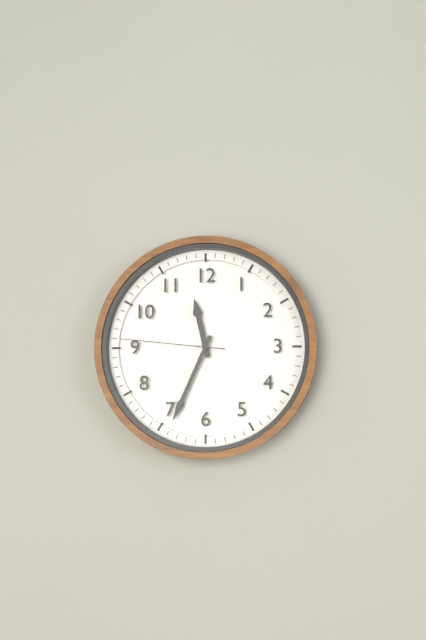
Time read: 11:34:46
